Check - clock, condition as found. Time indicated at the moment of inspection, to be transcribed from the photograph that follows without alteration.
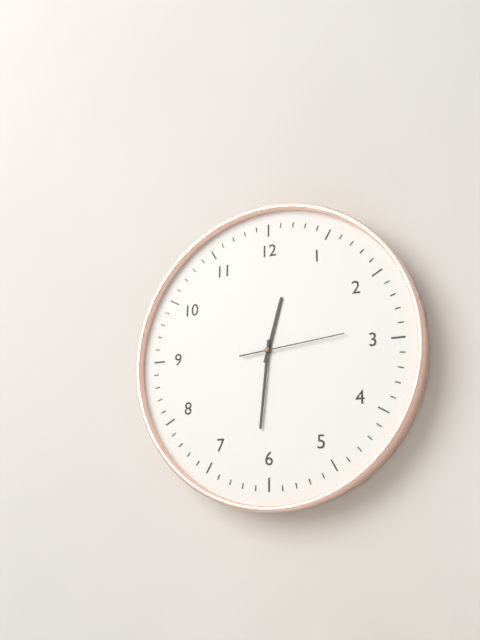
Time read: 12:31:14
